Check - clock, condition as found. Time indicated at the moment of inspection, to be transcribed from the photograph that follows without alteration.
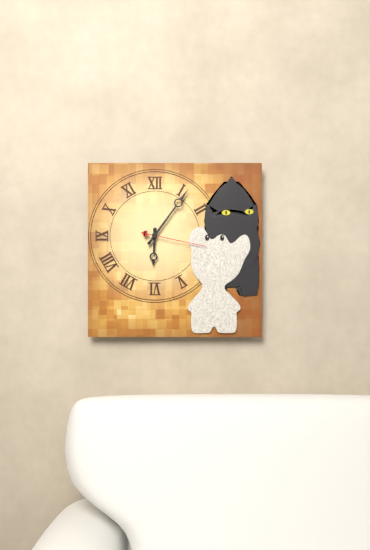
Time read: 6:06:17
